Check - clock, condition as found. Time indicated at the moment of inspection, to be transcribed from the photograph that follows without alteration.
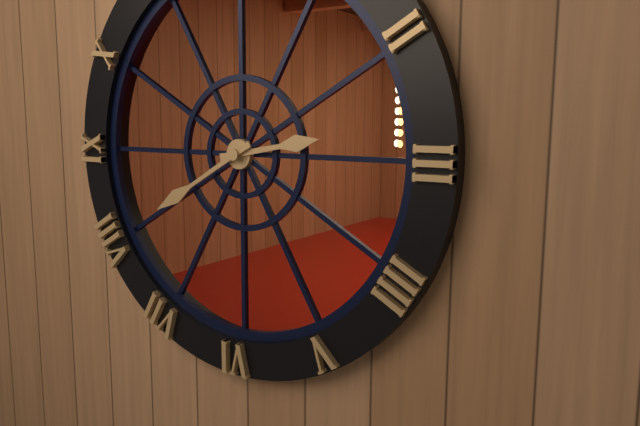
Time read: 2:40
